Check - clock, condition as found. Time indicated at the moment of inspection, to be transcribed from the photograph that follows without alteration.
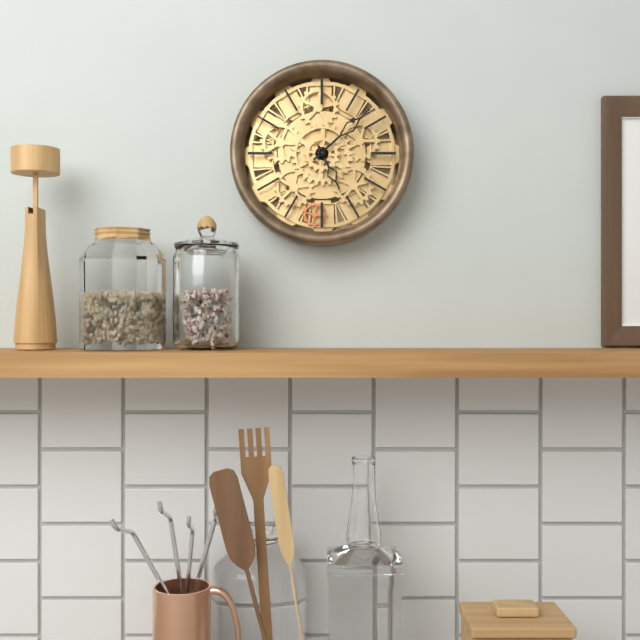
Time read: 5:08
